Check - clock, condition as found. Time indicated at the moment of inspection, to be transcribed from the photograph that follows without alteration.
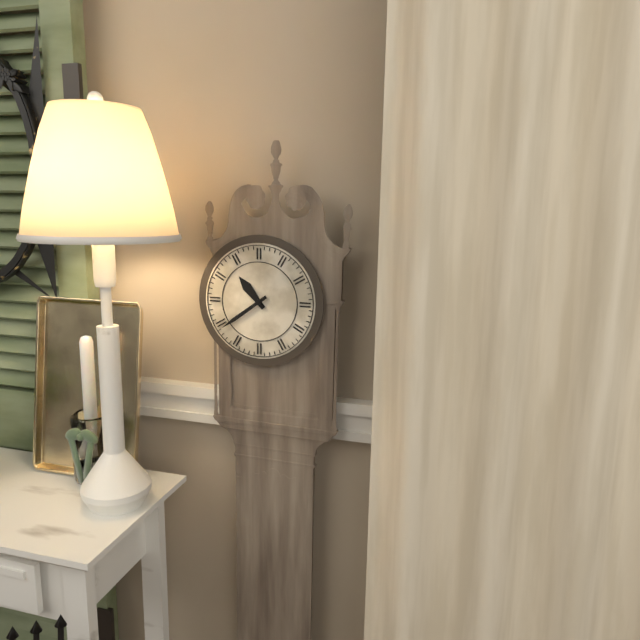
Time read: 10:39
